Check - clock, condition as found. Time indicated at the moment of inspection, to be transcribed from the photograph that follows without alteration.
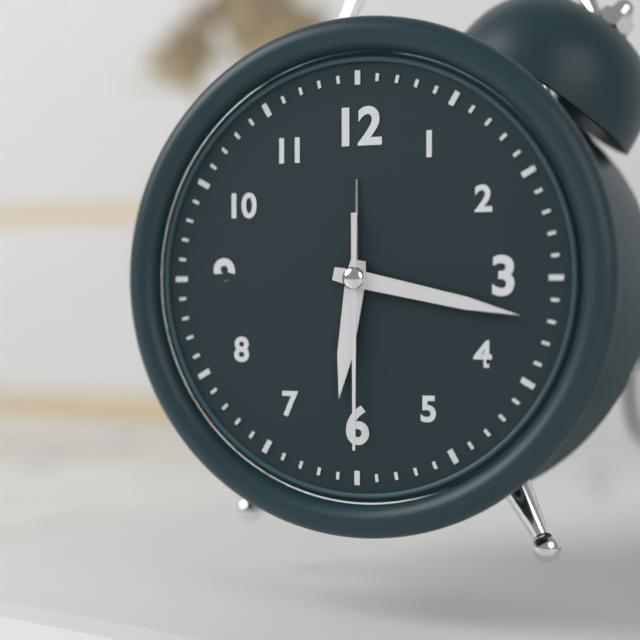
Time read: 6:17:30
